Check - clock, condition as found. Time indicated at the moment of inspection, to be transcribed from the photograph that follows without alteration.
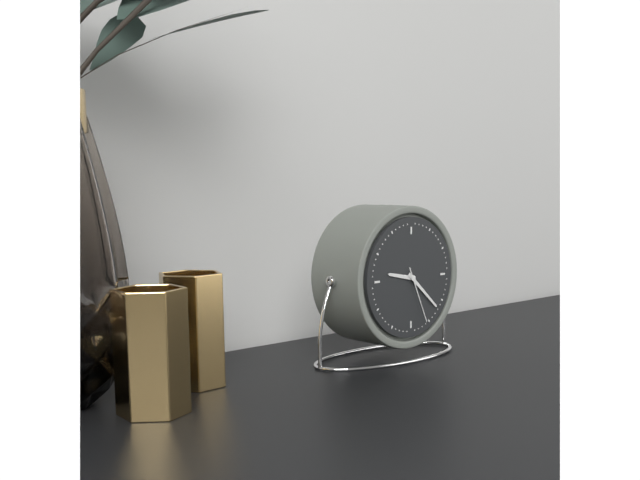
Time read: 9:22:26
